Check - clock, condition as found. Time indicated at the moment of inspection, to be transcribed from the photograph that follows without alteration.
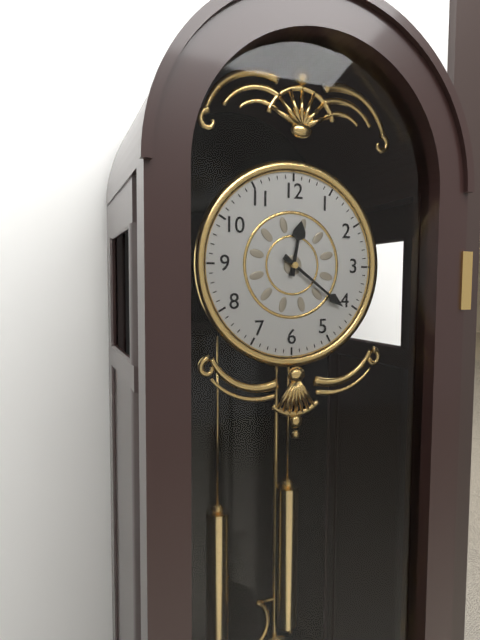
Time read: 12:21
